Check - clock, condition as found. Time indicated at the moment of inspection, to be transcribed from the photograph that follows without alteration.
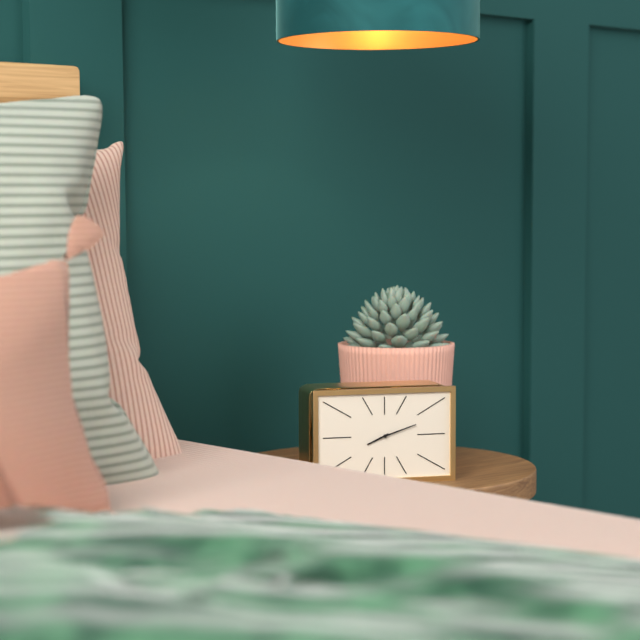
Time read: 8:12
